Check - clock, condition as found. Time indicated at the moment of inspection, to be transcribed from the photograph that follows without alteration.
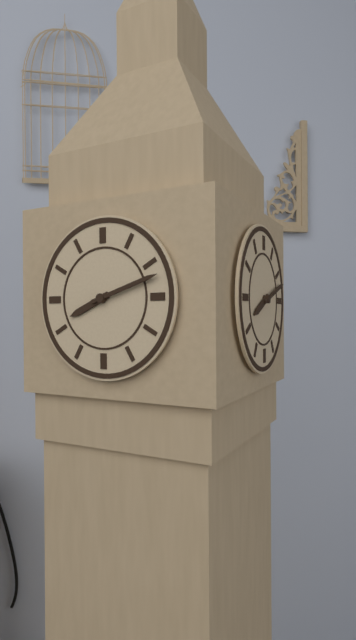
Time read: 8:12
